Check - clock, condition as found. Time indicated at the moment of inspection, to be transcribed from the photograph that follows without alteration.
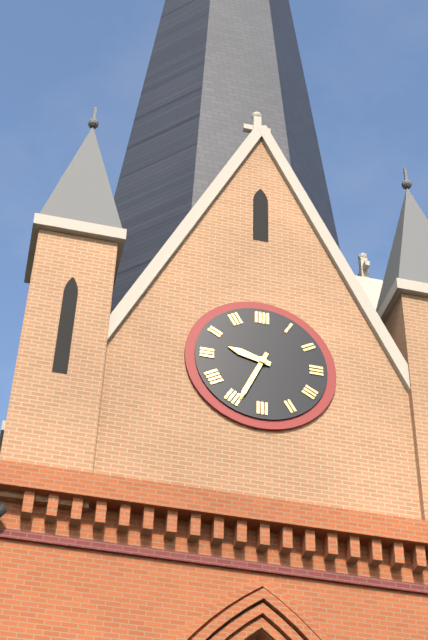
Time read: 9:34
